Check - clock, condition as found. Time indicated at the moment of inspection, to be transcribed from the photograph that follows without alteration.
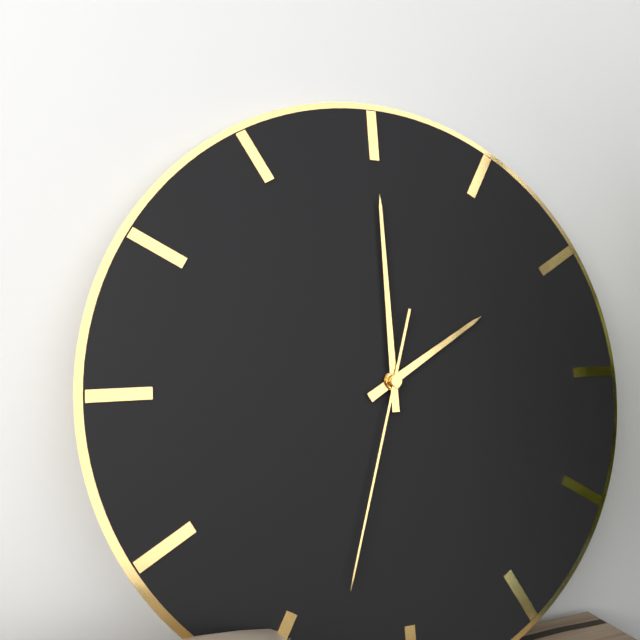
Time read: 2:00:33
